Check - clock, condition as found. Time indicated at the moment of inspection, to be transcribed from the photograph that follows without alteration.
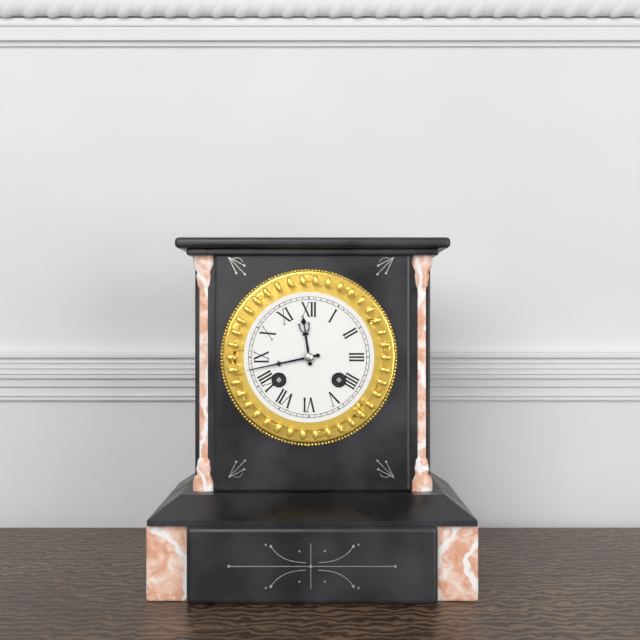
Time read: 11:43
